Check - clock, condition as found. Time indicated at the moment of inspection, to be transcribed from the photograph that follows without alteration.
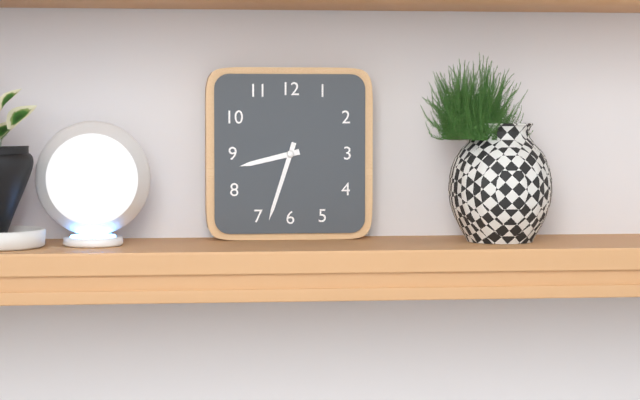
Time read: 8:33
